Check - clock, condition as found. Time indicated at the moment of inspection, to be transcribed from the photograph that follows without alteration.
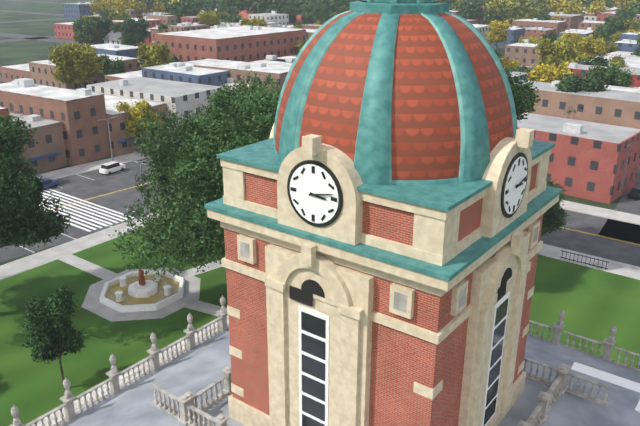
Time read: 3:13
